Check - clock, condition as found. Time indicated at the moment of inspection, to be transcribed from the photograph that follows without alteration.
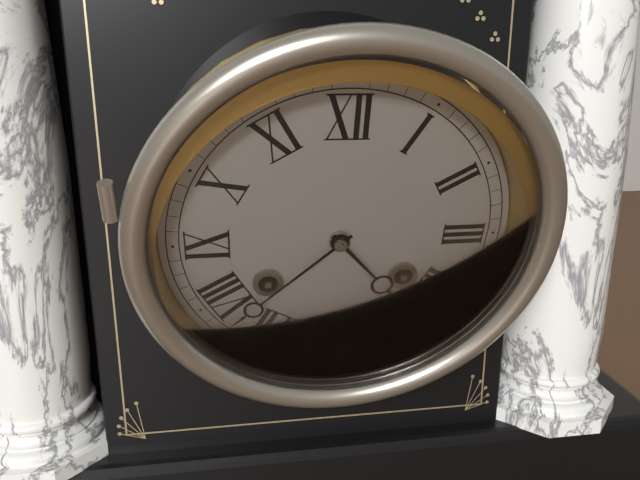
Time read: 4:38
